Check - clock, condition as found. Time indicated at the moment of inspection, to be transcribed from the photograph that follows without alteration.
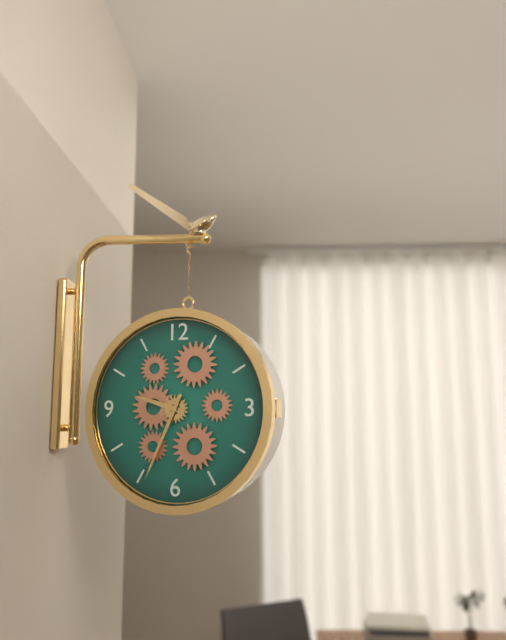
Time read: 9:34
